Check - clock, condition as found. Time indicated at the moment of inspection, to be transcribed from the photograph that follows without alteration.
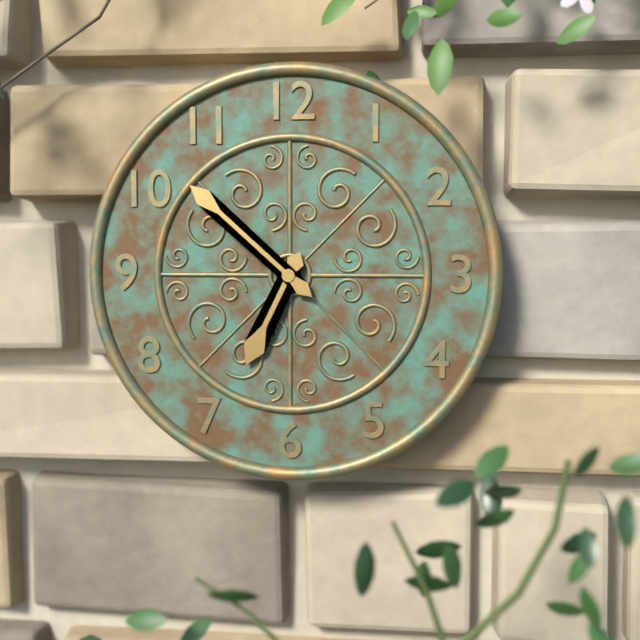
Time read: 6:52
